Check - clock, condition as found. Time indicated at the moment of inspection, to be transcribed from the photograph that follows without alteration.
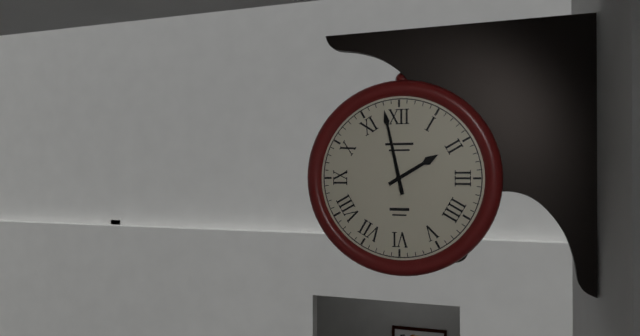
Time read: 1:58
